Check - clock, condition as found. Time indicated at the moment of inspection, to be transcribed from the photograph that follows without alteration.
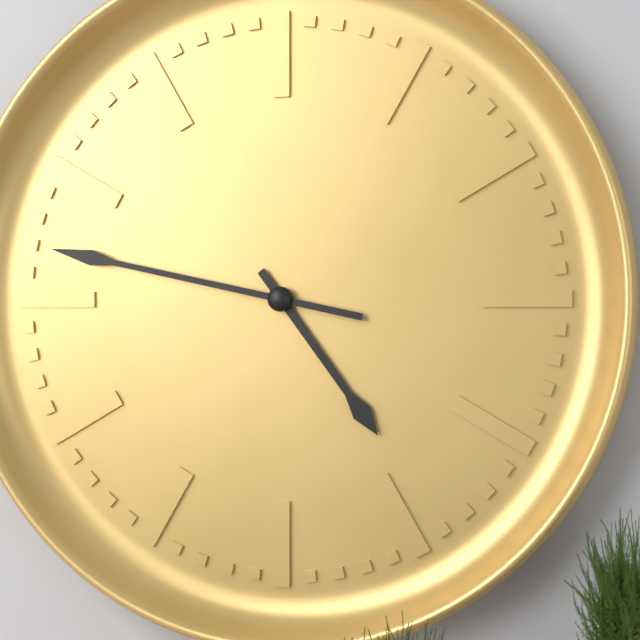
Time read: 4:47
